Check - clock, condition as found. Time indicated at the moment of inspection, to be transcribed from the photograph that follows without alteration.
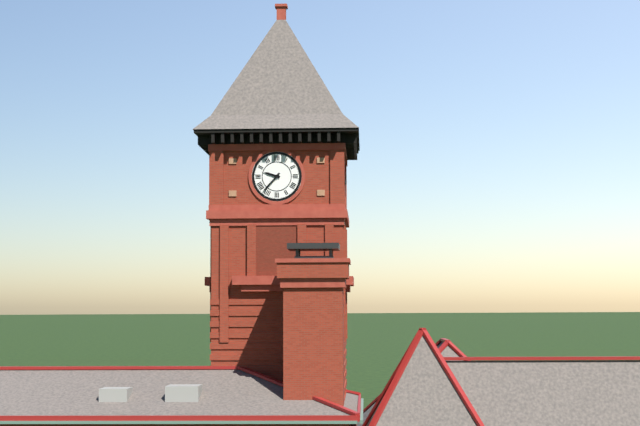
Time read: 9:37
